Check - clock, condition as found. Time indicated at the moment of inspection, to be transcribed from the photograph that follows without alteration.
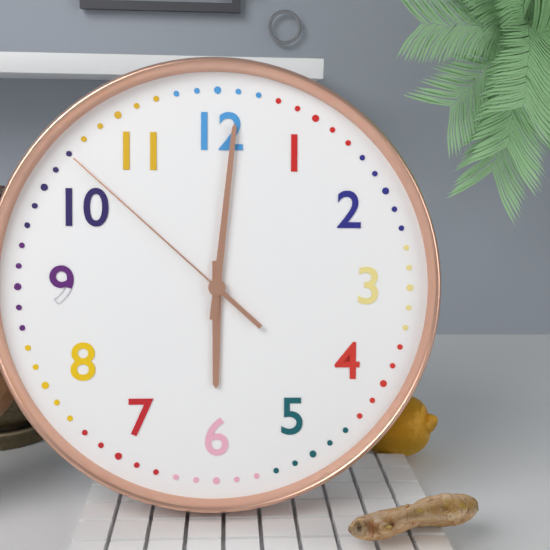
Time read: 6:01:52
